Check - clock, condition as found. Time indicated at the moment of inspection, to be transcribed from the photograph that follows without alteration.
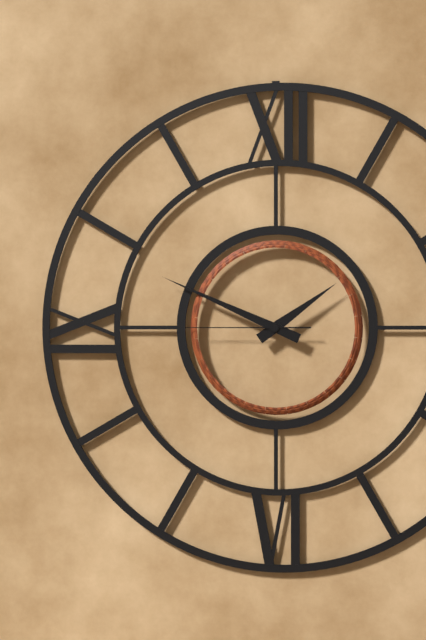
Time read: 1:49:45
